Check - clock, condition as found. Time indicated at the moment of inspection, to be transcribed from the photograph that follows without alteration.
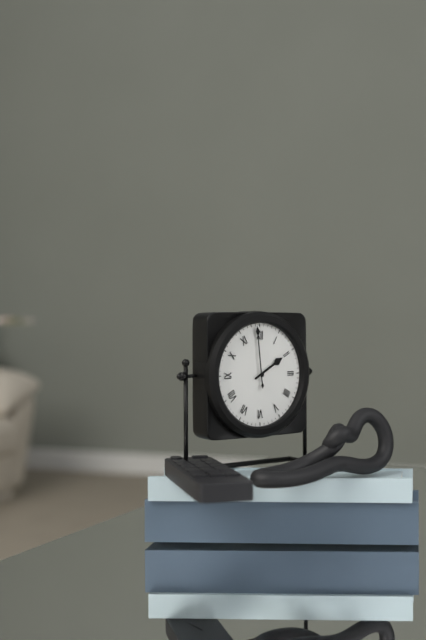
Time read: 1:59
